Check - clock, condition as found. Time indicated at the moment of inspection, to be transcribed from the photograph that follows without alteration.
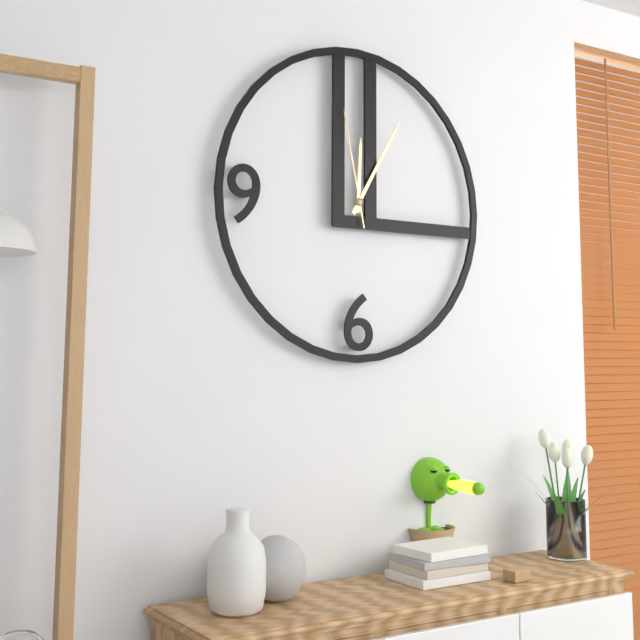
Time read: 12:05:58
